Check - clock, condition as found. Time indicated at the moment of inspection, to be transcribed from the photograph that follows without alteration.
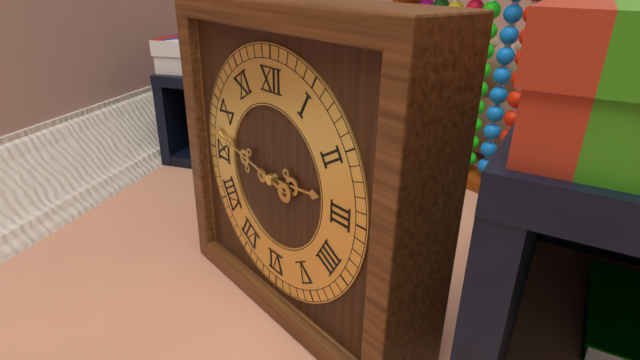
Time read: 2:47
